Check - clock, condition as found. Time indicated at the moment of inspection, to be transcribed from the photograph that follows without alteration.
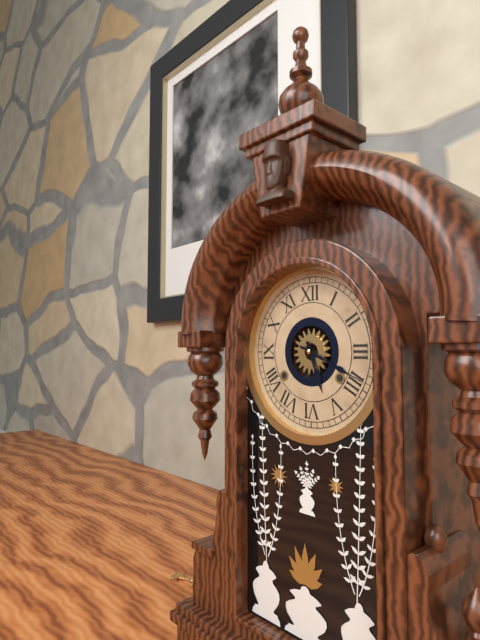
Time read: 5:19
